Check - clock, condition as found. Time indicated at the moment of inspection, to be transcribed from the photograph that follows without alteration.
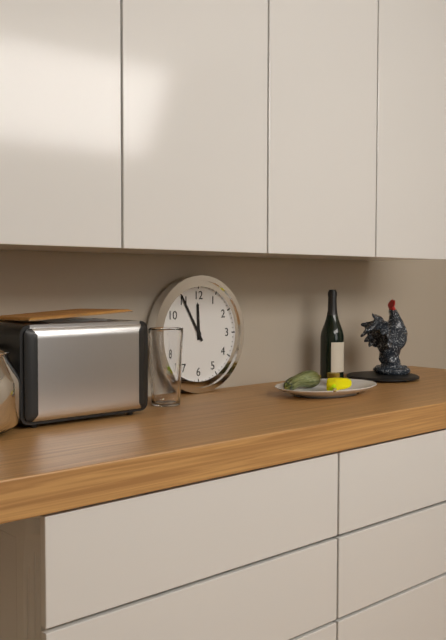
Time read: 11:55
